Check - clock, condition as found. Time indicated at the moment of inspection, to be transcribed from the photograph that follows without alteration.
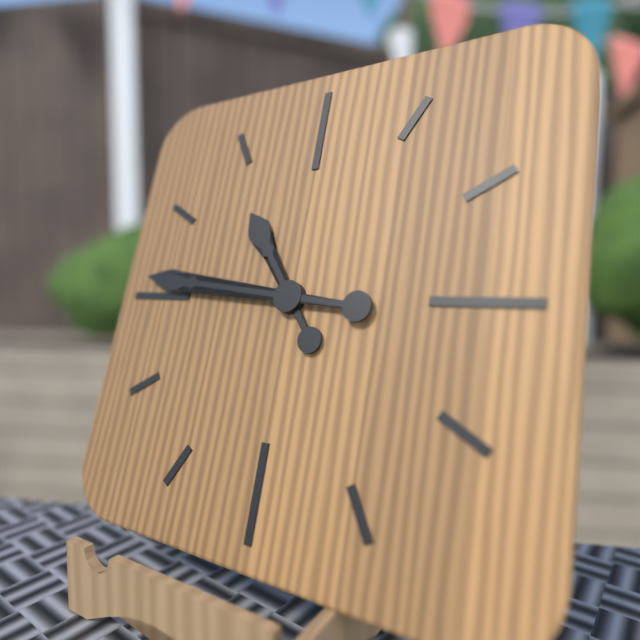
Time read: 10:46
